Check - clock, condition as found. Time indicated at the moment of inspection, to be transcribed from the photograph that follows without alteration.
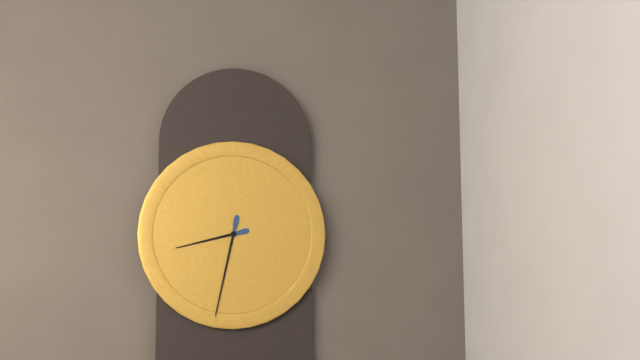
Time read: 8:32
